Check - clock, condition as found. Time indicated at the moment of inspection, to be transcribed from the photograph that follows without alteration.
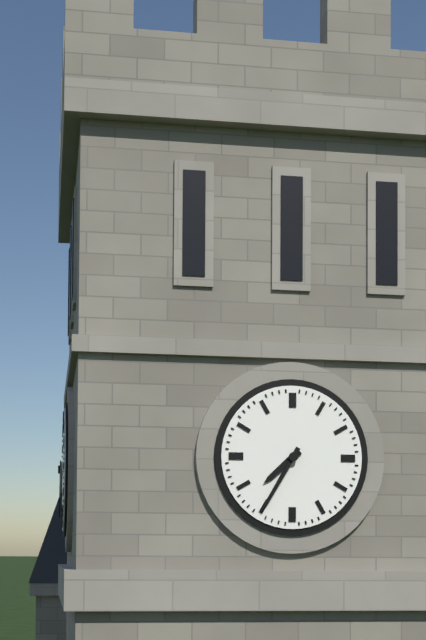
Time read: 7:35
